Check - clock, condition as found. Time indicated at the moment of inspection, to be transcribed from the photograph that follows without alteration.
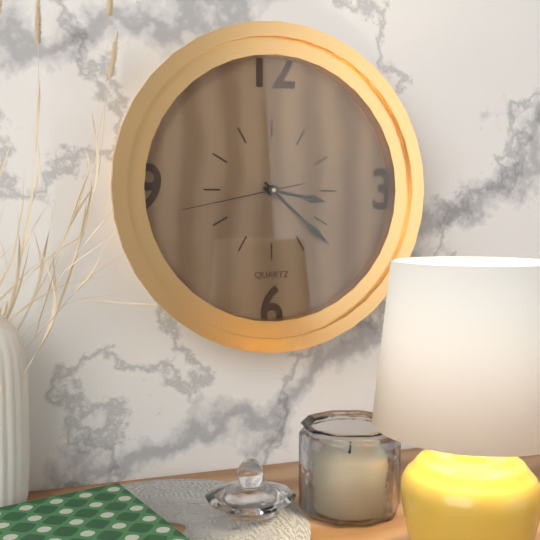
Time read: 3:22:43
